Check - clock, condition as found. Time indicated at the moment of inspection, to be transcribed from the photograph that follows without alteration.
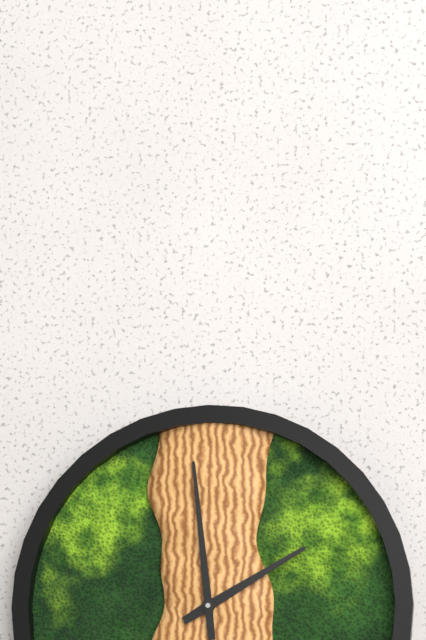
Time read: 1:59
